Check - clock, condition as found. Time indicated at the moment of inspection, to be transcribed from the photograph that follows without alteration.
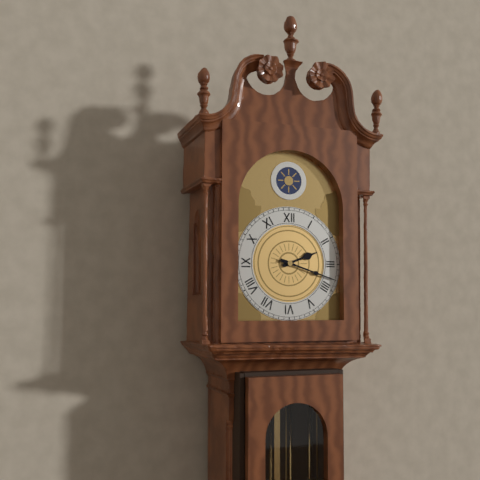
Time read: 2:18
